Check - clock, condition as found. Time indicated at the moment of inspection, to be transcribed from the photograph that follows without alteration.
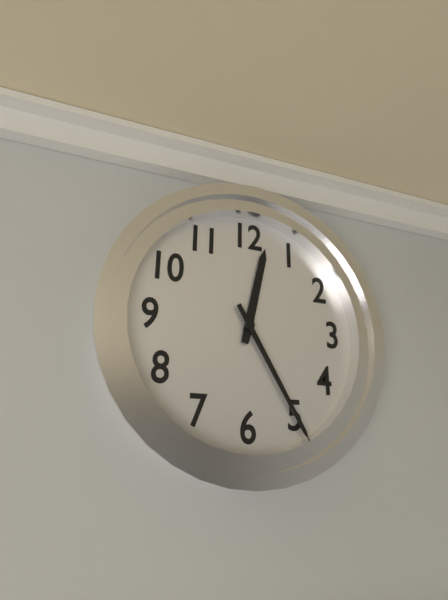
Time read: 12:25
